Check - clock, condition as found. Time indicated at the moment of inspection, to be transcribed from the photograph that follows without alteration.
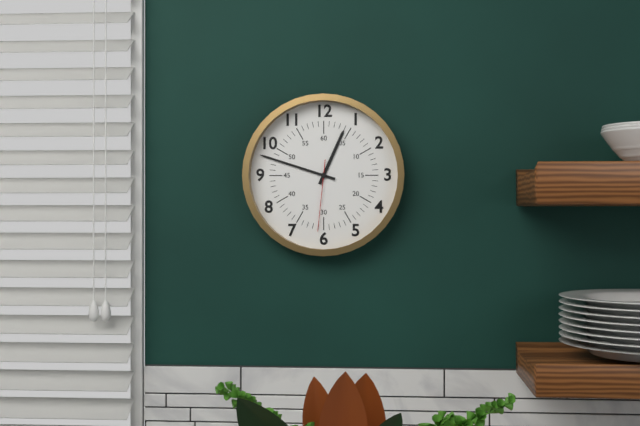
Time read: 12:48:31
